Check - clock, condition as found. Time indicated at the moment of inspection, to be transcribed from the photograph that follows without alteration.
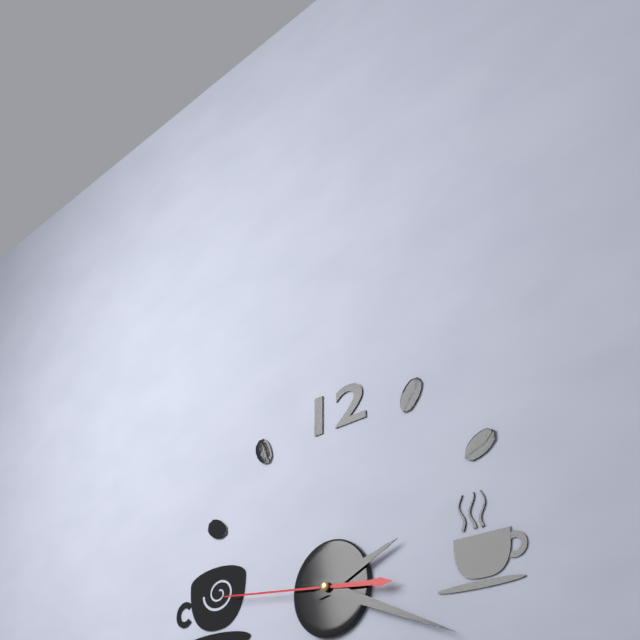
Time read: 2:19:46
